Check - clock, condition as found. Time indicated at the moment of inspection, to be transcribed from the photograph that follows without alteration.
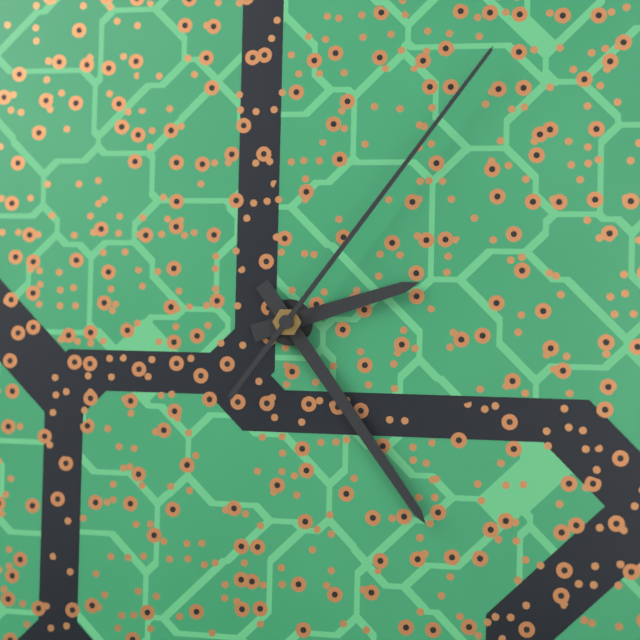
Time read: 2:24:06
